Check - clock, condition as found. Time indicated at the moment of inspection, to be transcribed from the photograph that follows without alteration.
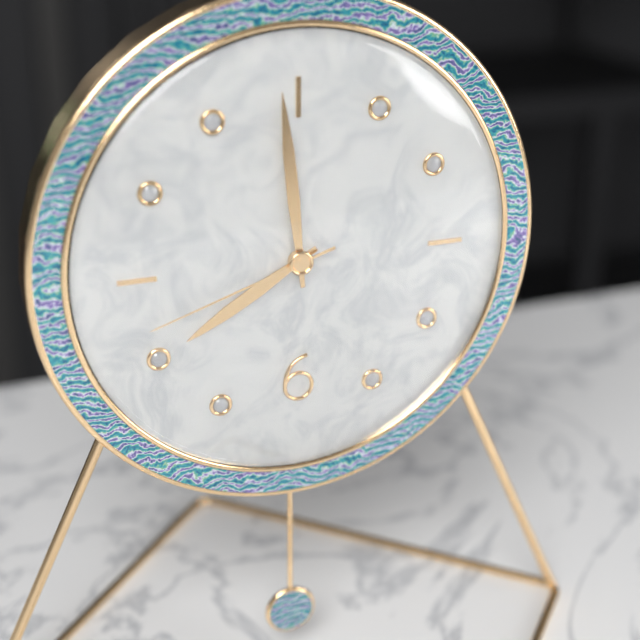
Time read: 7:59:42
